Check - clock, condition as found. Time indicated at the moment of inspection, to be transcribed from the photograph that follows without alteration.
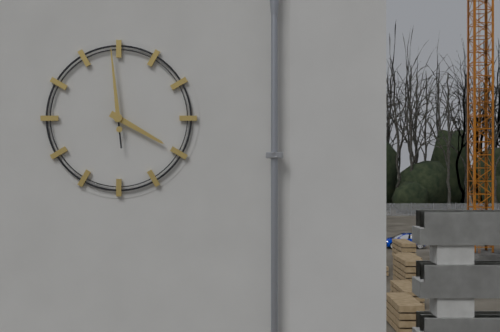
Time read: 3:59
